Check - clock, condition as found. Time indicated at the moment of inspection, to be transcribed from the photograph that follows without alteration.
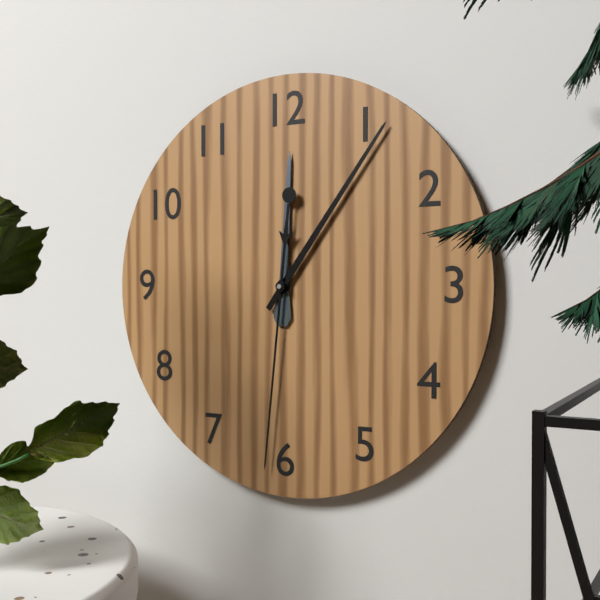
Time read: 12:06:31
